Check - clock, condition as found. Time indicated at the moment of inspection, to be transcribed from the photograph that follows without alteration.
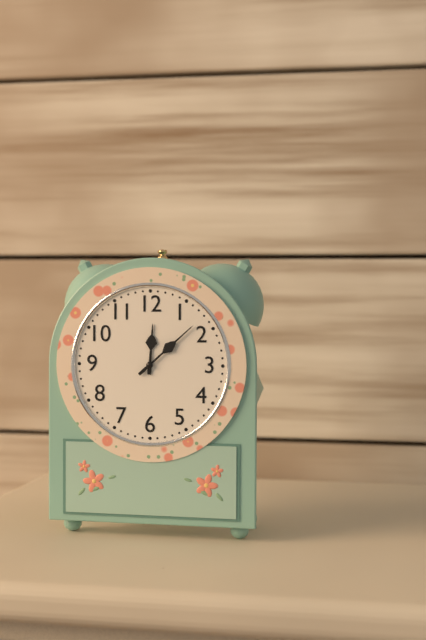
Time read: 12:08
